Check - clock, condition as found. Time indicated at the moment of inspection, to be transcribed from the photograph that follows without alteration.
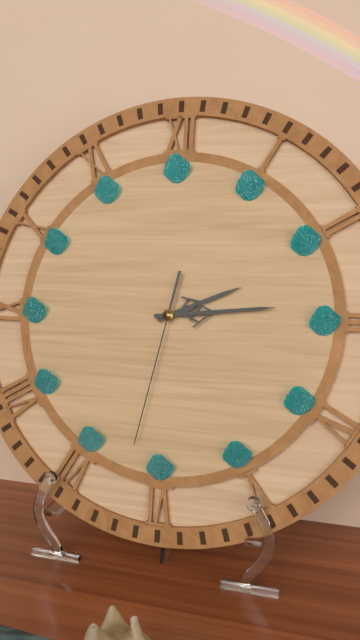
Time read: 2:14:32
